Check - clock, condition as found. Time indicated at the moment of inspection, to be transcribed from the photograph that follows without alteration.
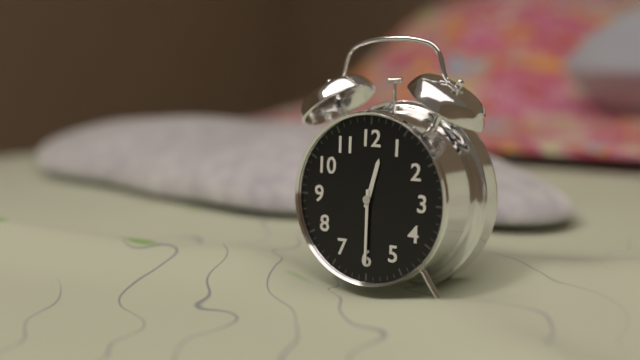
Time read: 12:30
